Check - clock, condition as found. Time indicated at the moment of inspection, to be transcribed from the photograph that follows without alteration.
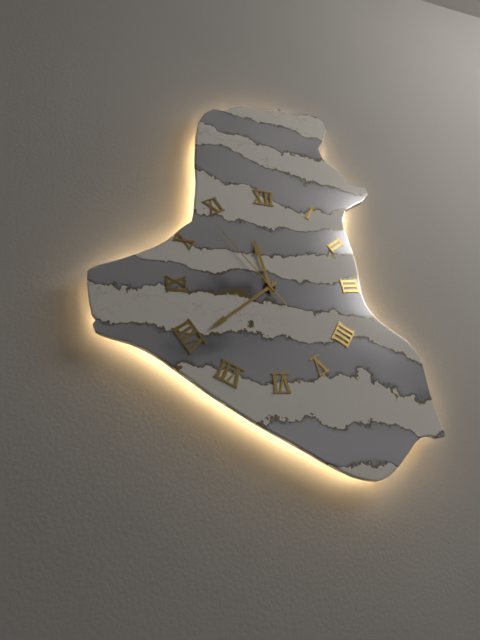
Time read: 11:39:54
